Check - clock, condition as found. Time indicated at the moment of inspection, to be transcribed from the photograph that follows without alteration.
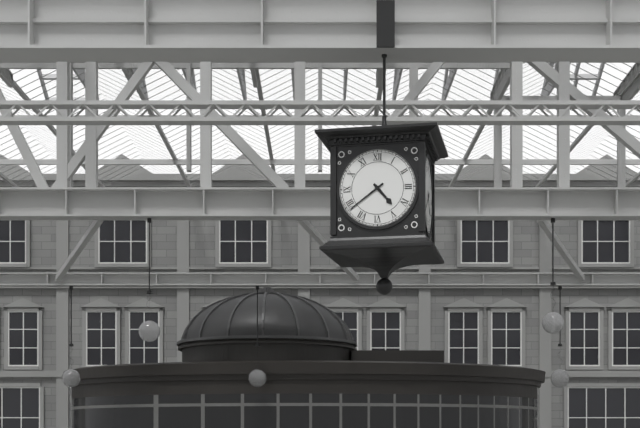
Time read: 4:39
